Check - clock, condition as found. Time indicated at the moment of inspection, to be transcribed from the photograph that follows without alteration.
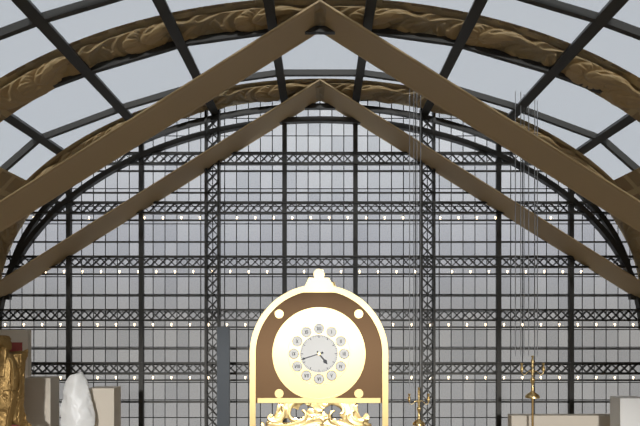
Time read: 4:42
